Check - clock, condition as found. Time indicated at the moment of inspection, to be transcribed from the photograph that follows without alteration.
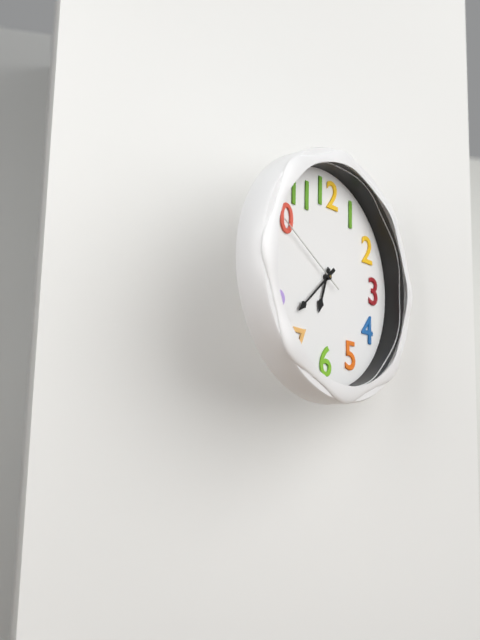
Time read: 6:38:50
